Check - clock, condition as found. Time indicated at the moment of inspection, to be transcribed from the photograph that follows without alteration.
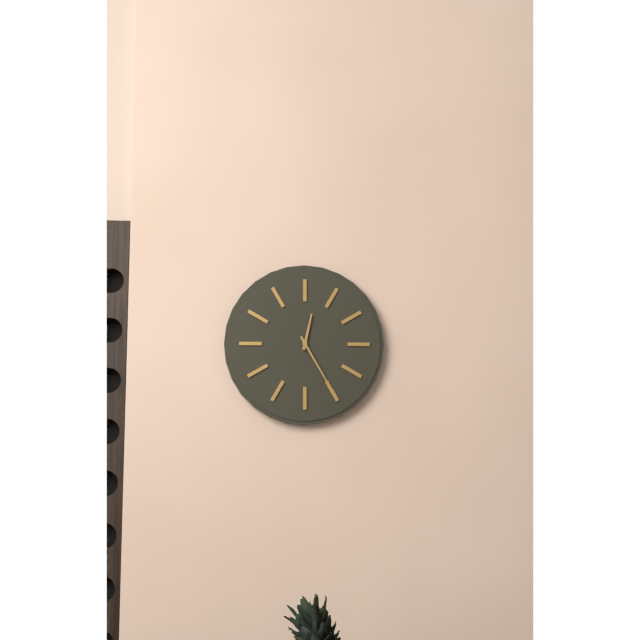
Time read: 12:25
